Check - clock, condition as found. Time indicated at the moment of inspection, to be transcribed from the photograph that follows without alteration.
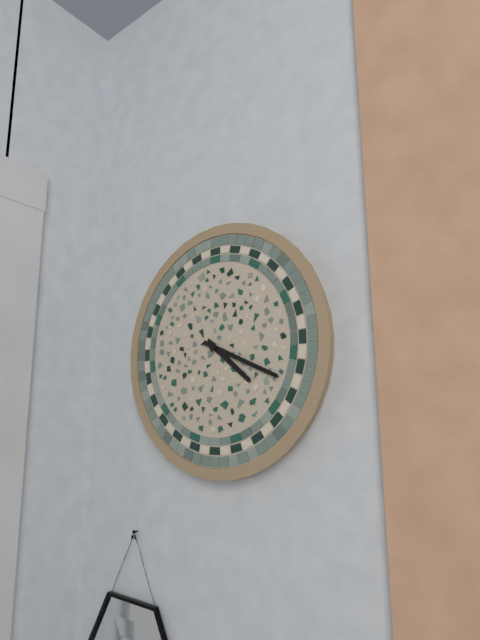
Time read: 4:19
